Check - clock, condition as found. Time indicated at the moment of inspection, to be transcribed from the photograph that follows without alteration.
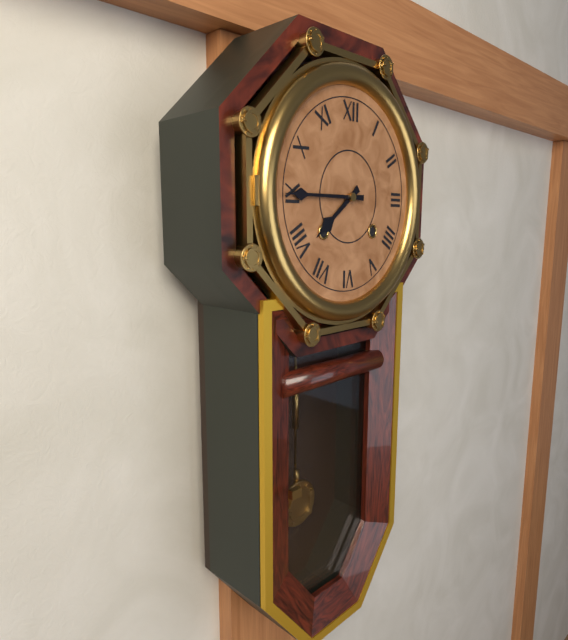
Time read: 7:45
